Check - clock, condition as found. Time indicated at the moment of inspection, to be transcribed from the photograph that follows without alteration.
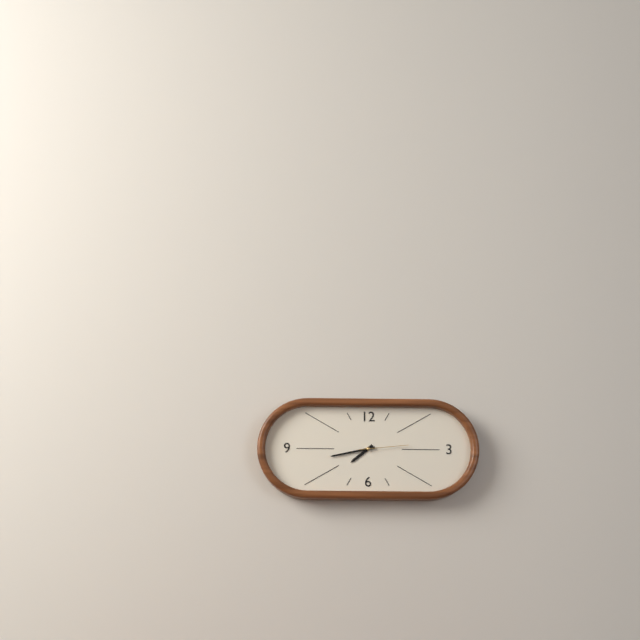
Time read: 7:43:14
